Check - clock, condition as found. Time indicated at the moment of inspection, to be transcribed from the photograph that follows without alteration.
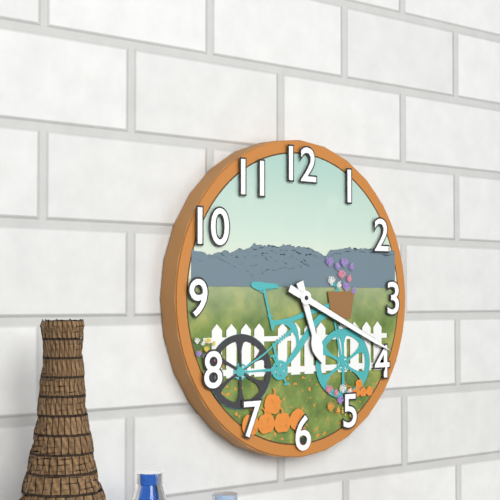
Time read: 5:19
